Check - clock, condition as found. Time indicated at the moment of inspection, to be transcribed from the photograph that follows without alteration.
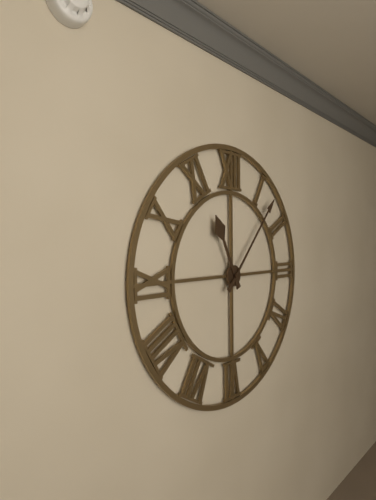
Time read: 11:07
